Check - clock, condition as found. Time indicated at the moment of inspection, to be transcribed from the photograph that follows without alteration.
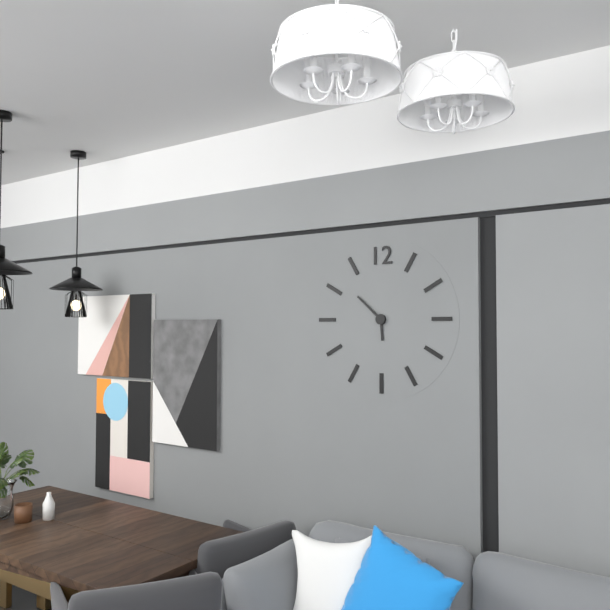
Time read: 5:52
